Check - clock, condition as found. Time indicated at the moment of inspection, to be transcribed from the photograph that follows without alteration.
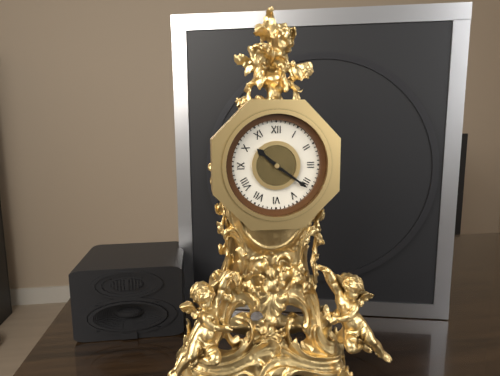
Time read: 10:21
